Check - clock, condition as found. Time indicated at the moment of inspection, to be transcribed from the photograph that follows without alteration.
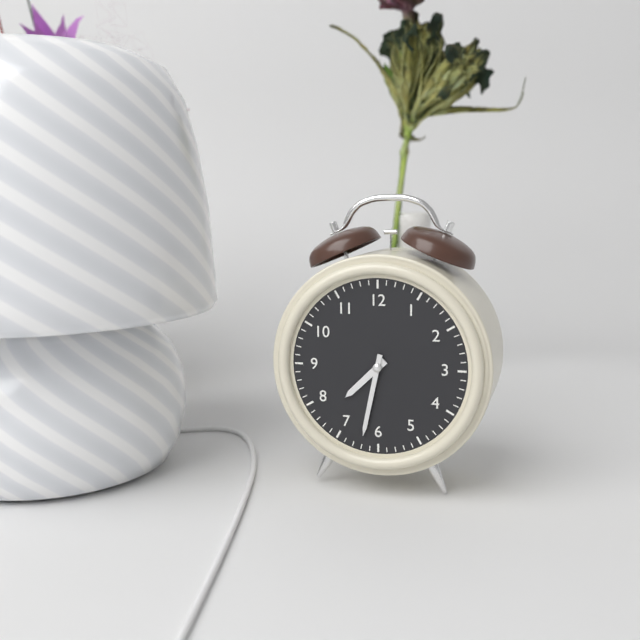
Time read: 7:32
